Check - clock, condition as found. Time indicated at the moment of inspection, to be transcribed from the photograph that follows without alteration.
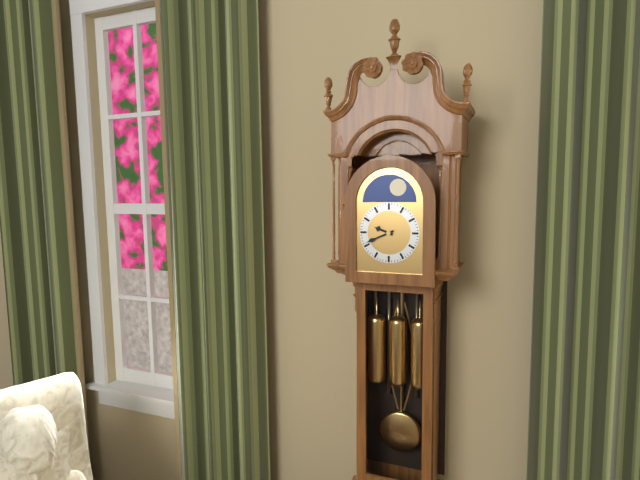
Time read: 9:41
